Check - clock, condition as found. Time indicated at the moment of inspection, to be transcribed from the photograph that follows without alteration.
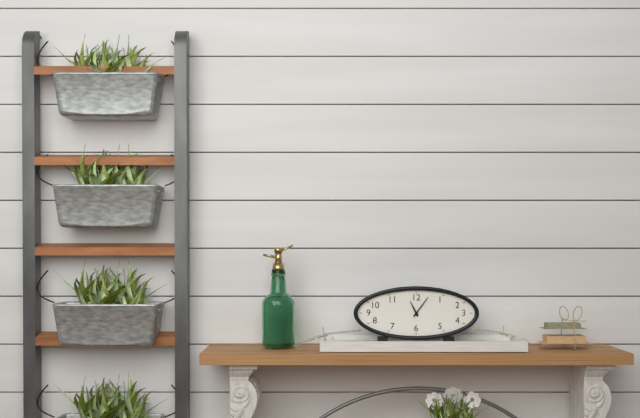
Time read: 11:06
